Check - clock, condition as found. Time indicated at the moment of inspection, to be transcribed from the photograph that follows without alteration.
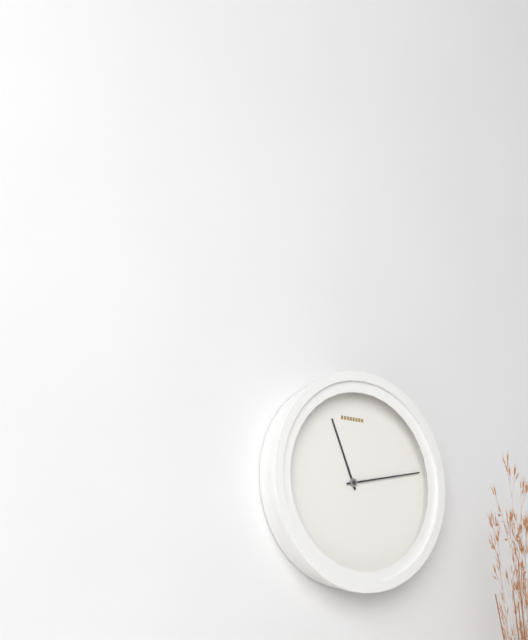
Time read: 11:13
